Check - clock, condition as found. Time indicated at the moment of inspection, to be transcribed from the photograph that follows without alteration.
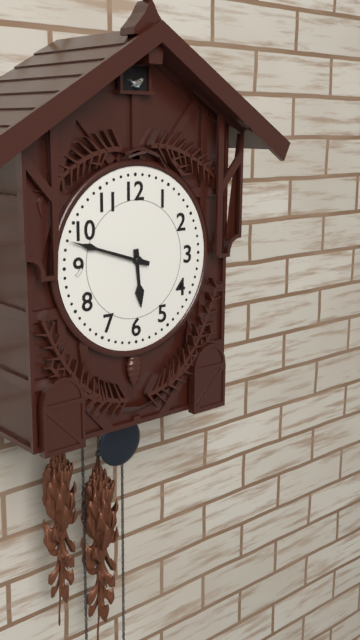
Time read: 5:48
